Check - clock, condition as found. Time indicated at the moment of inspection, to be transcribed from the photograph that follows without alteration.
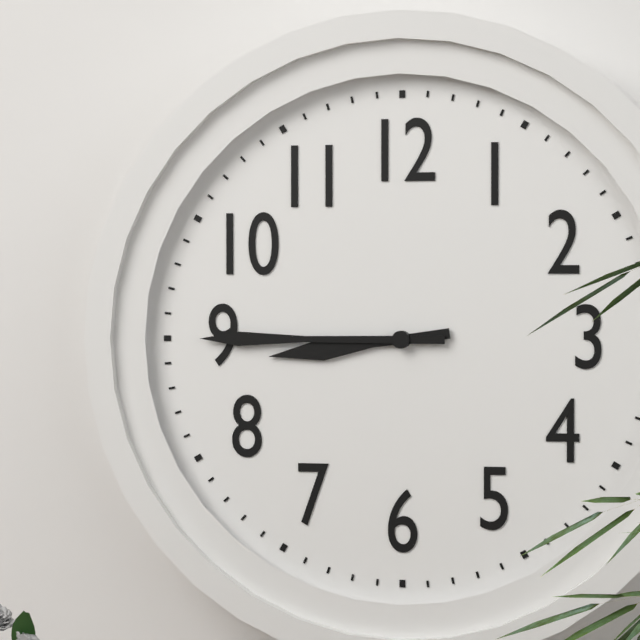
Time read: 8:45
